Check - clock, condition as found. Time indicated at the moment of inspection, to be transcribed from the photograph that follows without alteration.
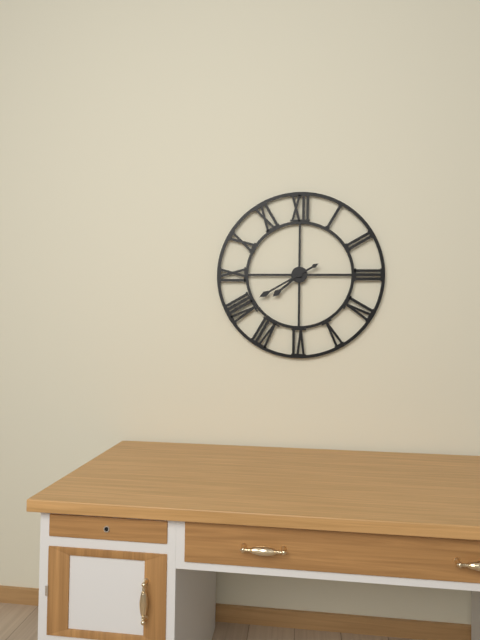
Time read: 7:40
